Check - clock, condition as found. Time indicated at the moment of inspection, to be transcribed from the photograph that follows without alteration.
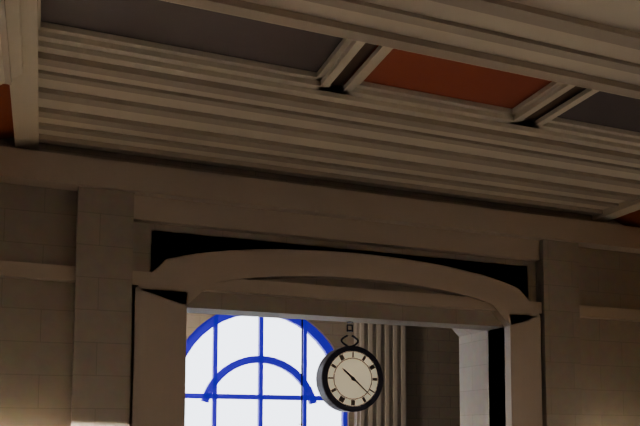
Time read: 10:22
